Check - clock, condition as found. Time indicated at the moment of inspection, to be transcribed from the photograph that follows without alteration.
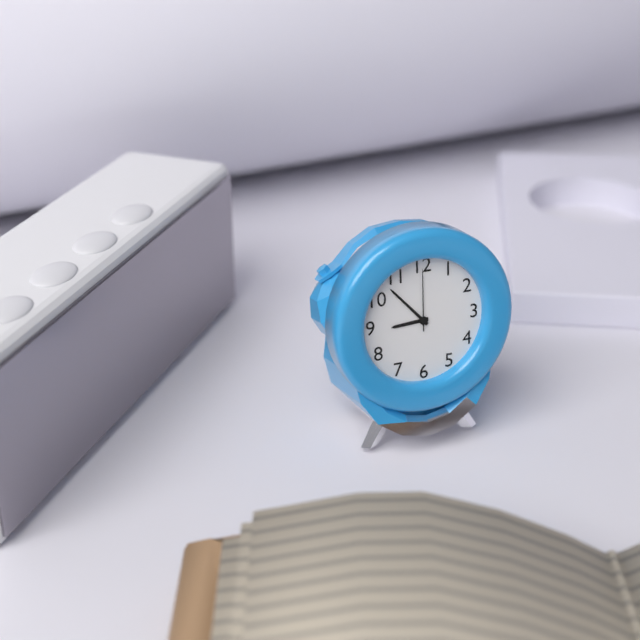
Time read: 8:53:00
